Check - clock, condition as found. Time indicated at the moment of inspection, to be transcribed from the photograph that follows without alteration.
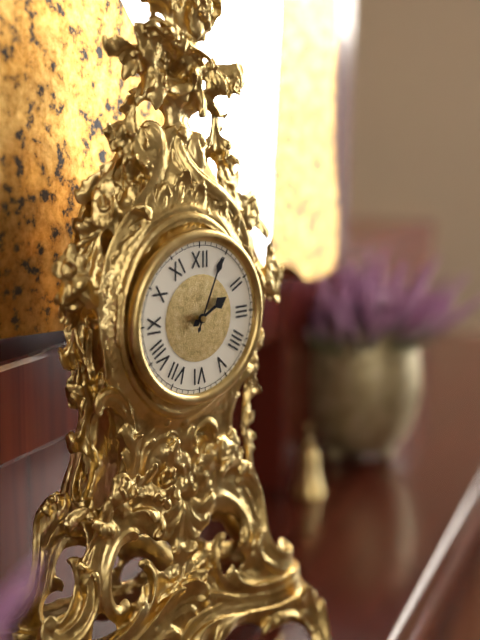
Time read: 2:04
